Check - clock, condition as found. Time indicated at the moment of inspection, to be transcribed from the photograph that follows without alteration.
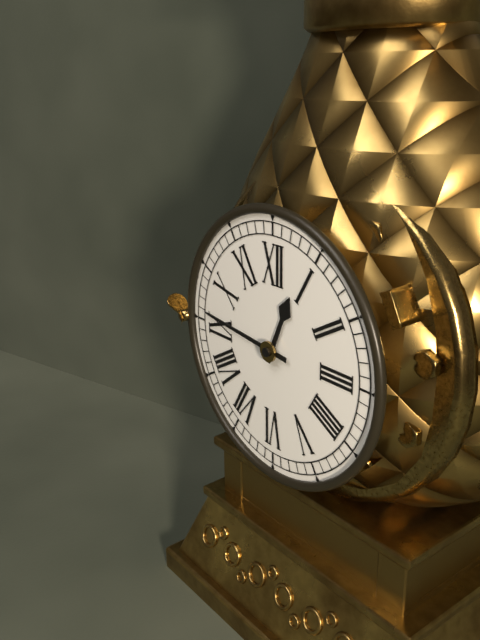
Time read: 12:46
